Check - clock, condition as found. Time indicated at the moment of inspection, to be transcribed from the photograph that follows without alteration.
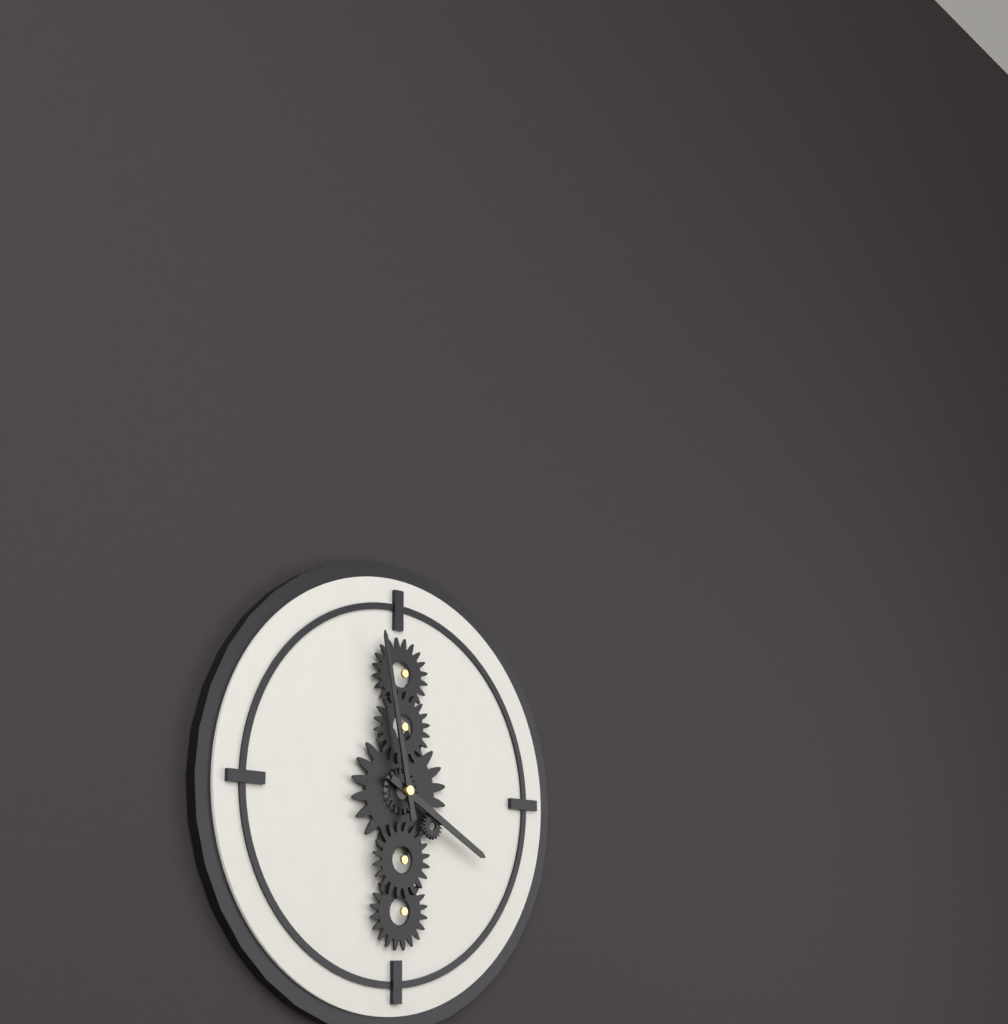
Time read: 3:58
